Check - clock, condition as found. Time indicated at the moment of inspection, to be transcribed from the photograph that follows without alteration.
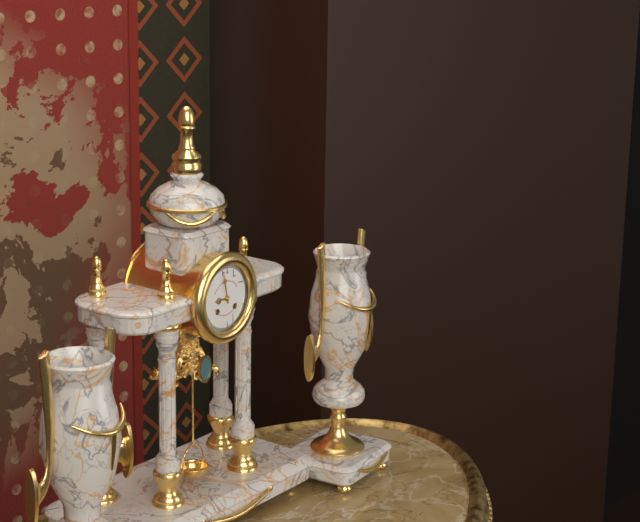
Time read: 8:58
